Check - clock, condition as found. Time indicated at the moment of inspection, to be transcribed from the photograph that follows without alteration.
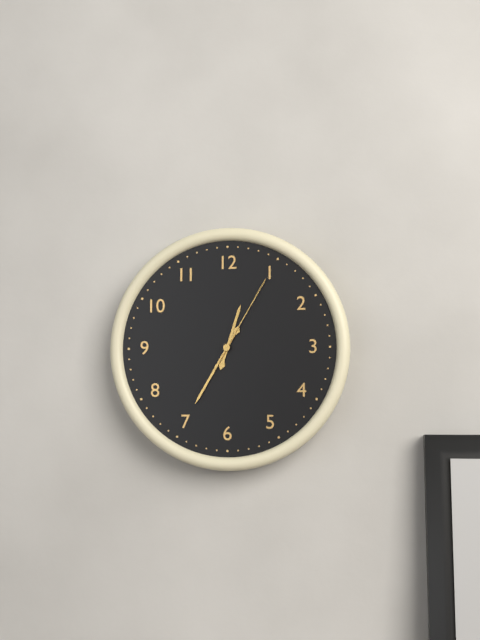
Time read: 12:35:05
